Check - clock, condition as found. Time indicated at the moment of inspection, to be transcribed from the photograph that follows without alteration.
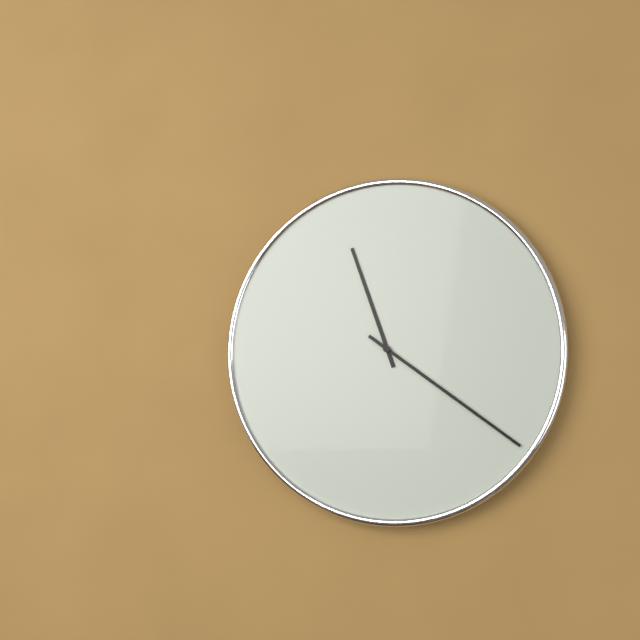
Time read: 11:21
